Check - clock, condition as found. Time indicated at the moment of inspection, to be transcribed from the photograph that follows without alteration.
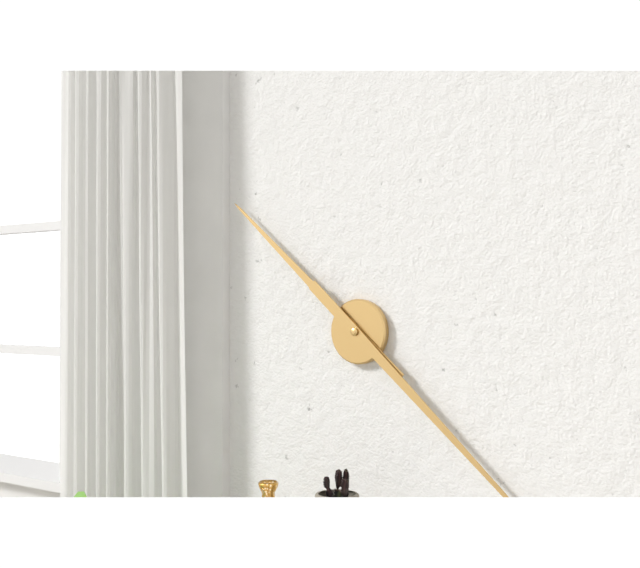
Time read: 10:22
